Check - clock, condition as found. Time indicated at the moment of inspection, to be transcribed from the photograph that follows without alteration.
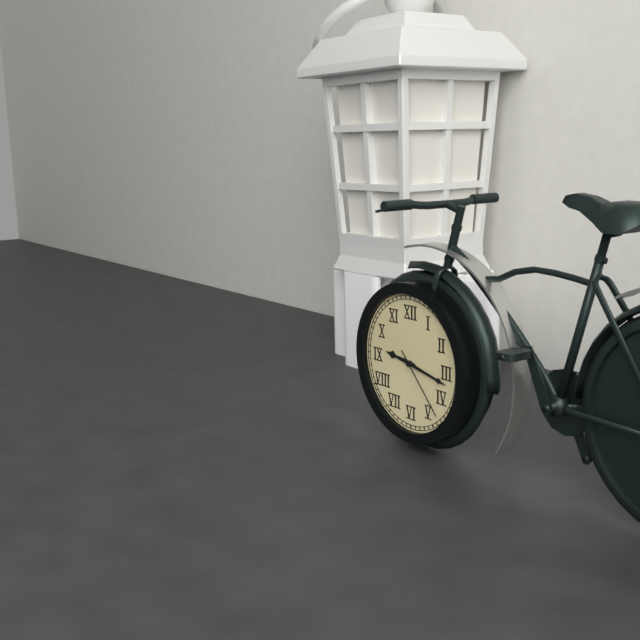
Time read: 9:17:23
